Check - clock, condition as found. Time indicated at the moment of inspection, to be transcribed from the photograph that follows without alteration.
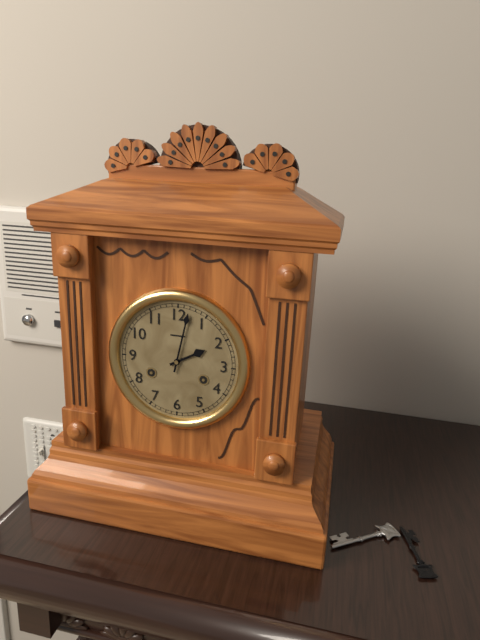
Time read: 2:02
